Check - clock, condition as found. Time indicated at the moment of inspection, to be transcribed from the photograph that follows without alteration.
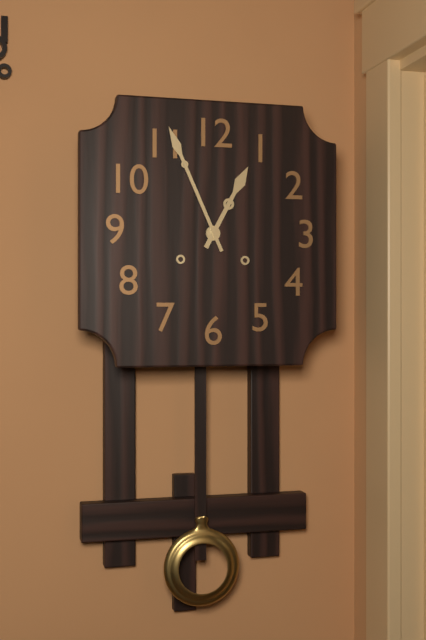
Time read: 12:56
